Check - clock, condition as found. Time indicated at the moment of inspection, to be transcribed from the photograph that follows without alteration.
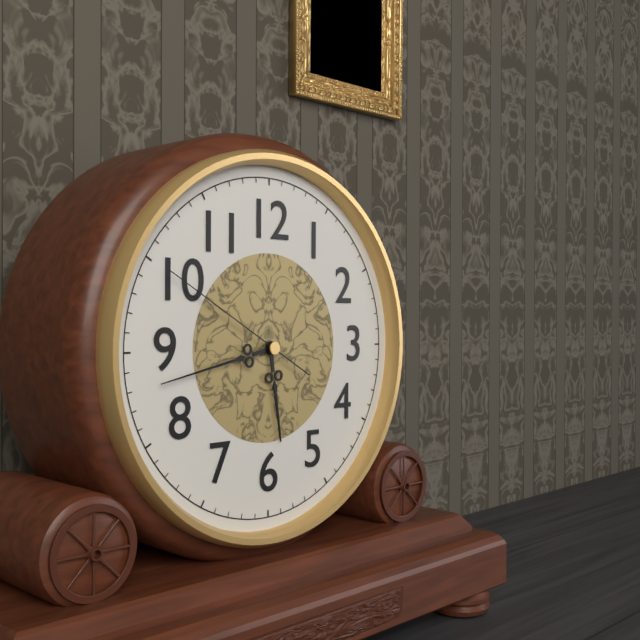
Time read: 5:43:50
